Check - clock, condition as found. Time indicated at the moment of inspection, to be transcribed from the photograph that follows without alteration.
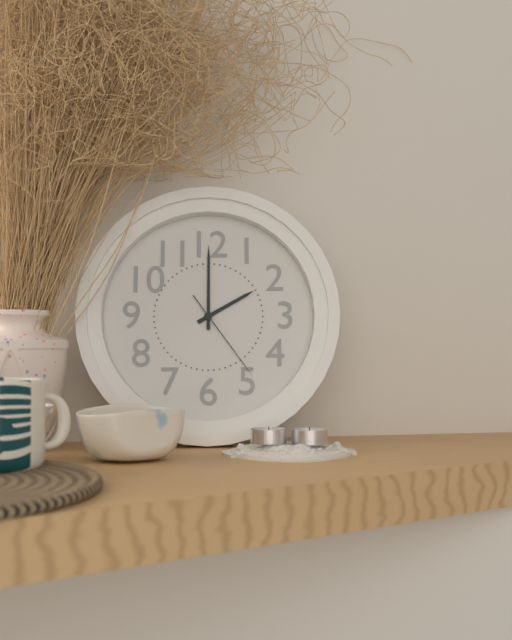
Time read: 2:00:24
